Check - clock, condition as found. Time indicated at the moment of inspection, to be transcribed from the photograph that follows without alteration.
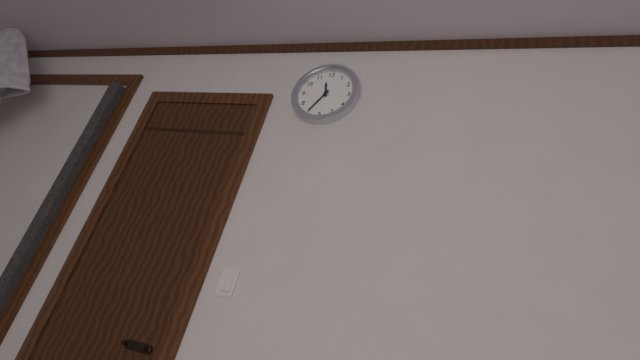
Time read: 11:35
